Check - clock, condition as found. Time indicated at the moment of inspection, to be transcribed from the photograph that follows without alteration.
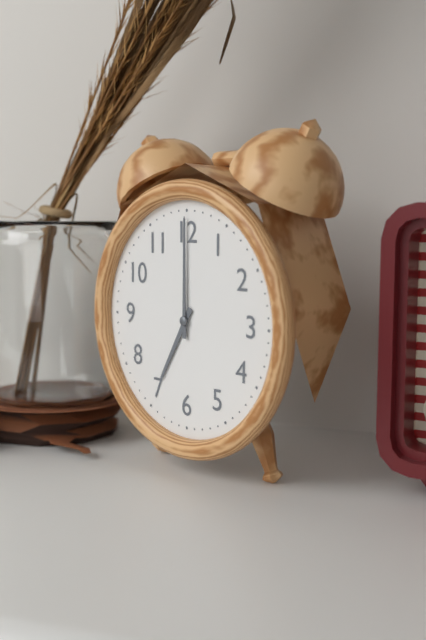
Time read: 7:00
